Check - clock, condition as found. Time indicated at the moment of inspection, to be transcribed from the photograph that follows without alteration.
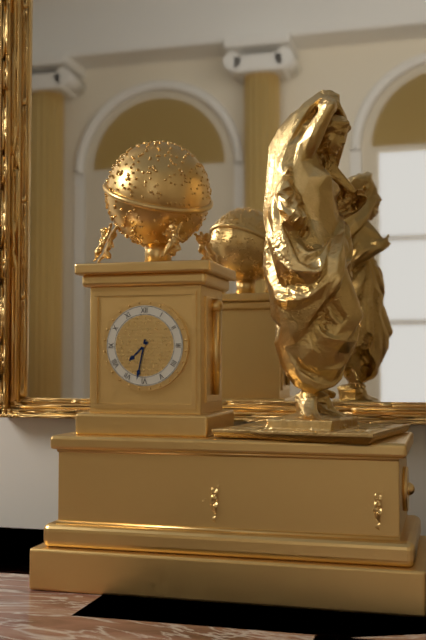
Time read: 7:32
